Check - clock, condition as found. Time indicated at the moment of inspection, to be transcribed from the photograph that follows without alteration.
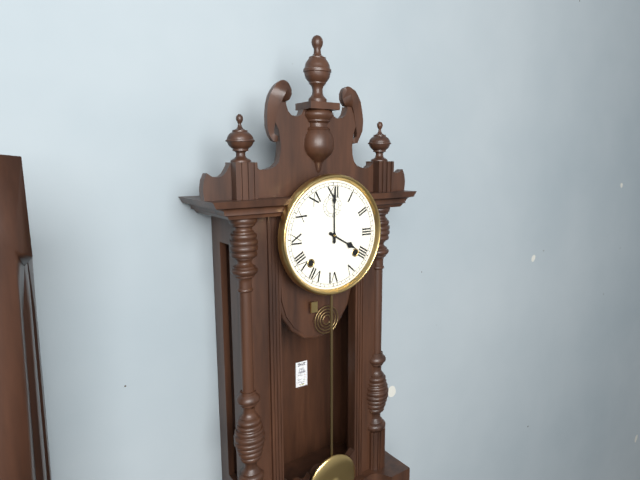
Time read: 4:00
